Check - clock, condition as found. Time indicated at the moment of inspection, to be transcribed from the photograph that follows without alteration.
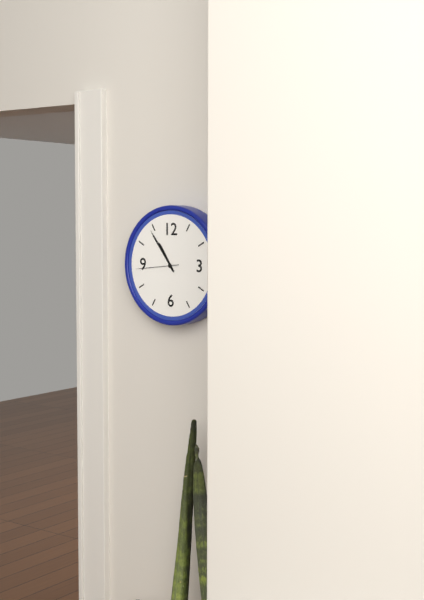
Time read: 10:54
